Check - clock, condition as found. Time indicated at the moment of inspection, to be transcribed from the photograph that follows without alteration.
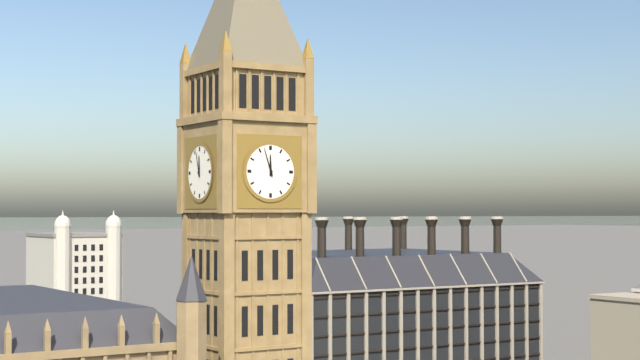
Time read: 11:57
